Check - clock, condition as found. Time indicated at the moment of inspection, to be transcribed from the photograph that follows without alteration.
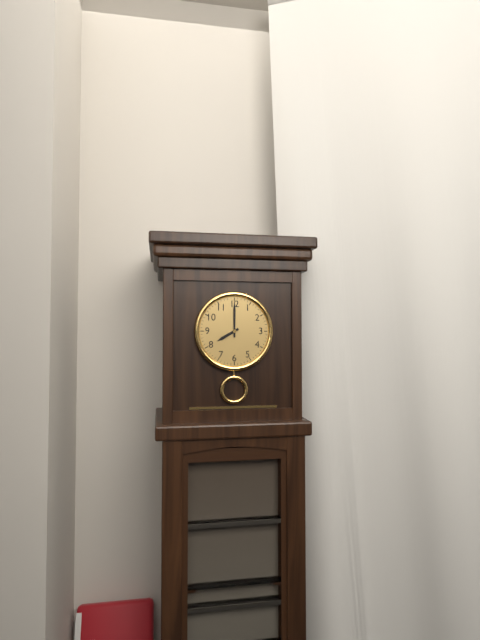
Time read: 8:00
